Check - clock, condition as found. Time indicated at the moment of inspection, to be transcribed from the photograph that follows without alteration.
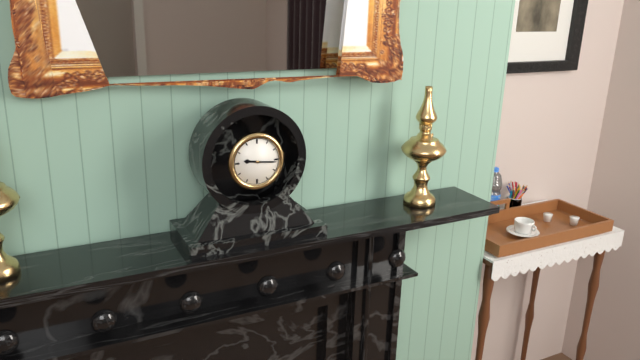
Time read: 9:16
